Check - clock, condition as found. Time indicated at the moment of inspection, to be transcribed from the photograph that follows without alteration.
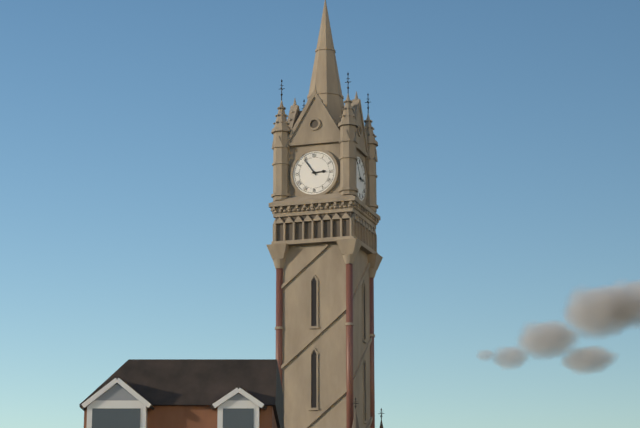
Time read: 2:54
